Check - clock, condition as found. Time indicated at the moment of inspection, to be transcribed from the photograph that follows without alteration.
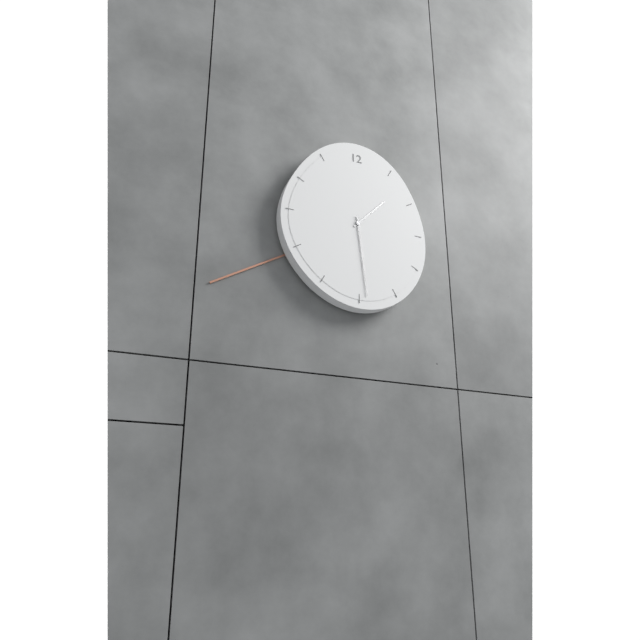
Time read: 1:29:40
